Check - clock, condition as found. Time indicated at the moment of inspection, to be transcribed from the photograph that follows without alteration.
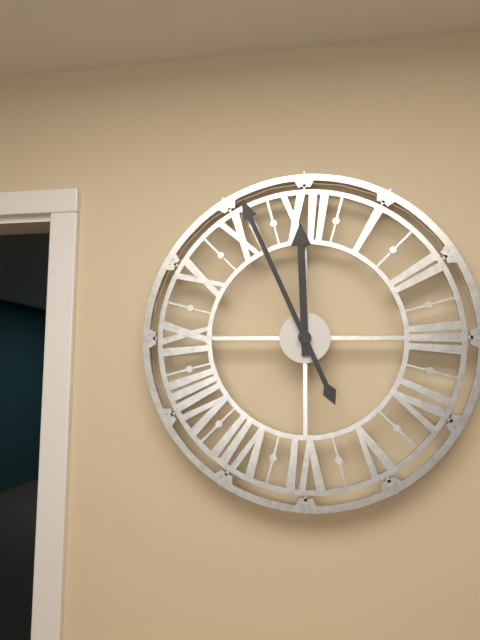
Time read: 11:56
